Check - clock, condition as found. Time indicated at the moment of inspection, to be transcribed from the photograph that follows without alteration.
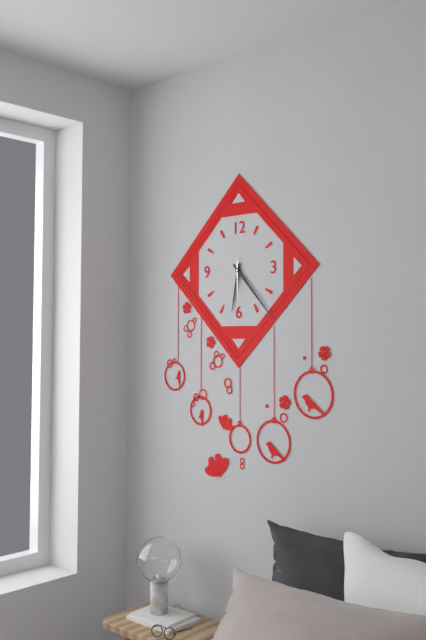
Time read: 6:23
